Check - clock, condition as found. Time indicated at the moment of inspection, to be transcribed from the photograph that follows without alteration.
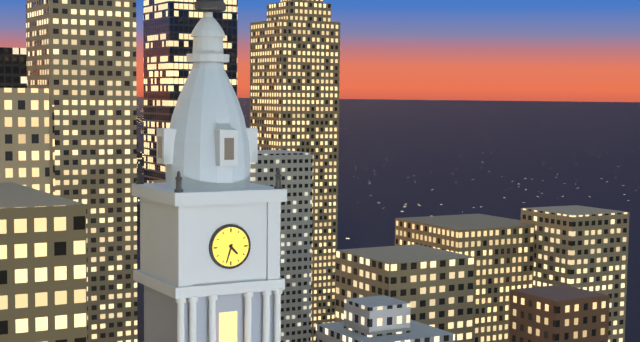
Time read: 4:33
